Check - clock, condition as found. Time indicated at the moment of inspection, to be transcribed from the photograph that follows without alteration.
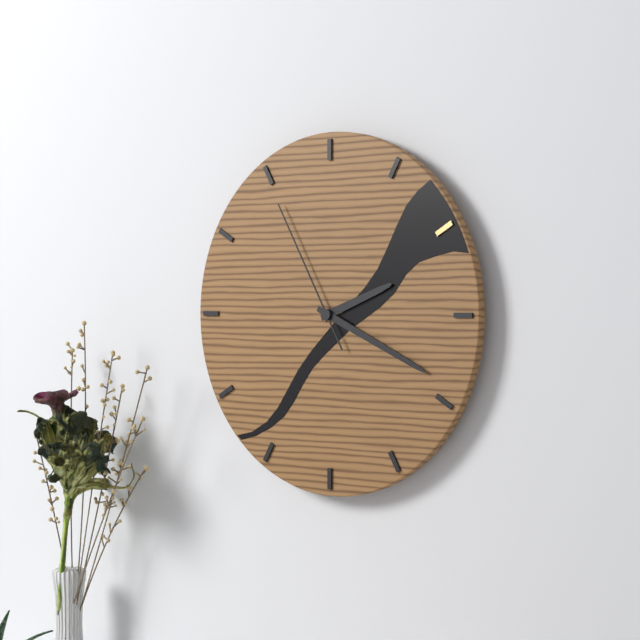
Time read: 2:19:55
